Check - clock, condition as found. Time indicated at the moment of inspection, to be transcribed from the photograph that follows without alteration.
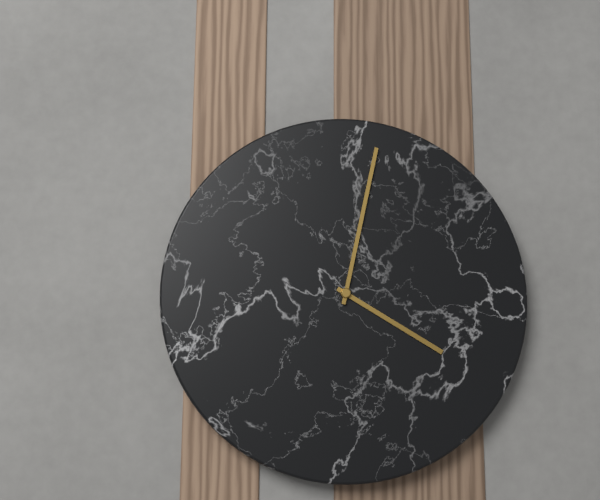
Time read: 4:02
